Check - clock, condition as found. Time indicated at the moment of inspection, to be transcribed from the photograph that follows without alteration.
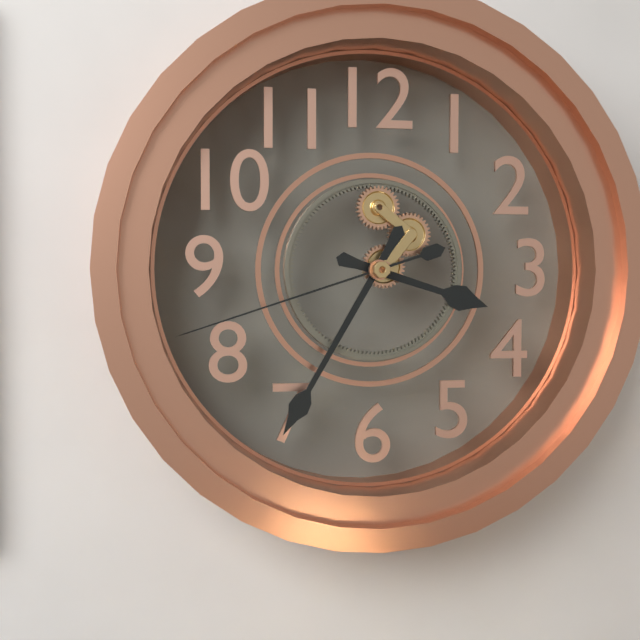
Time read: 3:35:42
